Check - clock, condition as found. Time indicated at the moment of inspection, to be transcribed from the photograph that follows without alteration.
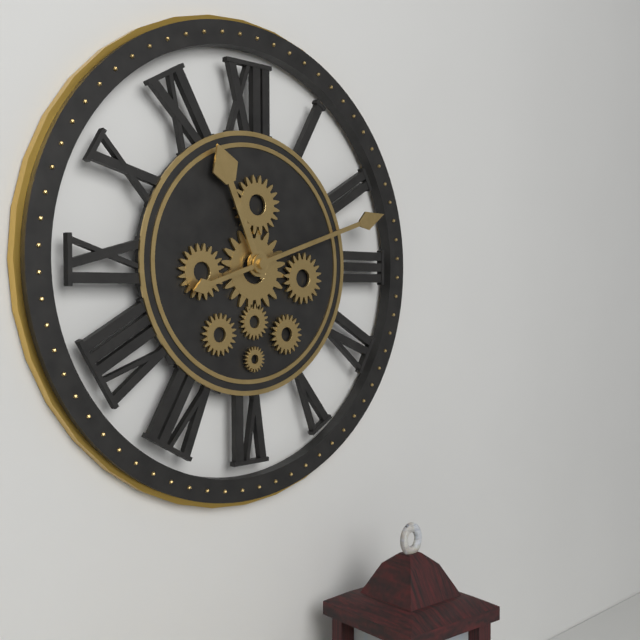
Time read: 11:12
